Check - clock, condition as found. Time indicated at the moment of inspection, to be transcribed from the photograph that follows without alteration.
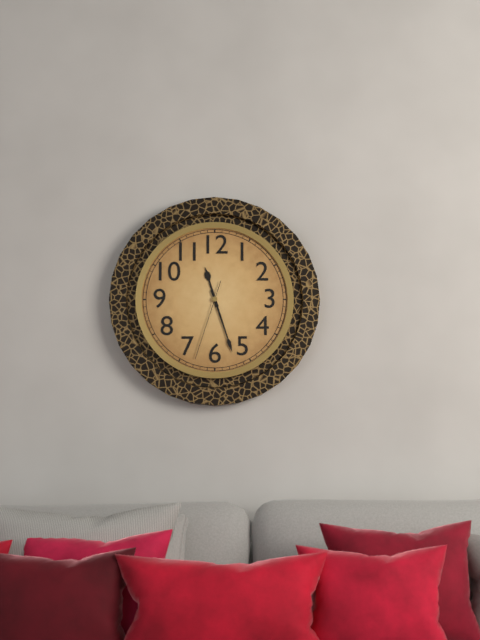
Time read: 11:27:33
